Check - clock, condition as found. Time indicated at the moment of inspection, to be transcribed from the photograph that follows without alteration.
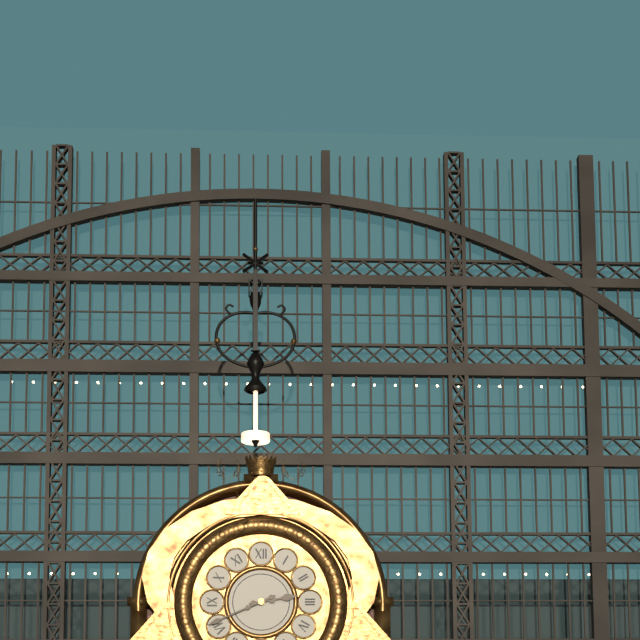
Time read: 2:41
